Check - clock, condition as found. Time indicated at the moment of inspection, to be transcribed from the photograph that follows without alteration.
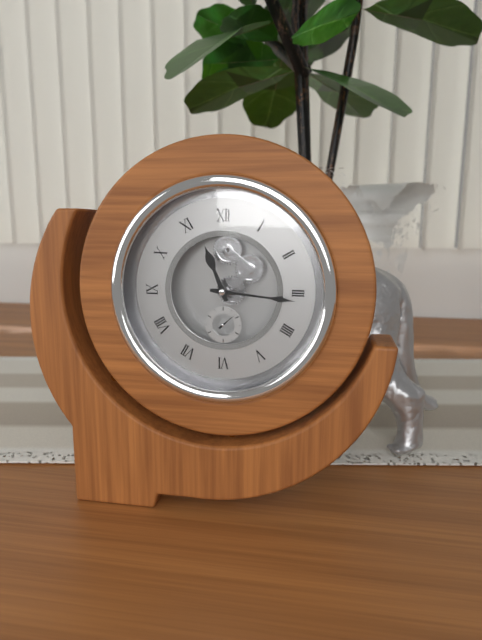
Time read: 11:16
